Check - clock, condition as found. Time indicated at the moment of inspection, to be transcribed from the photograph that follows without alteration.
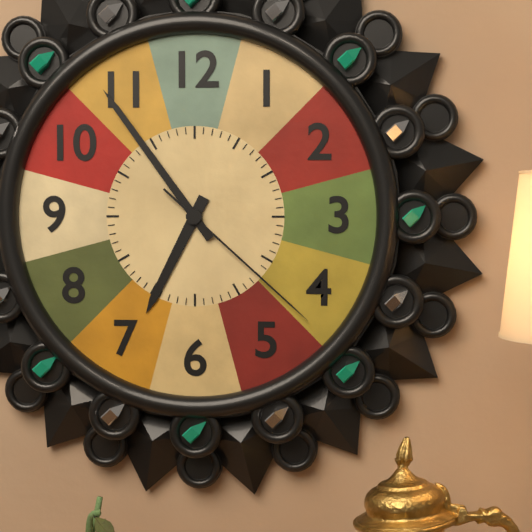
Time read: 6:54:22
